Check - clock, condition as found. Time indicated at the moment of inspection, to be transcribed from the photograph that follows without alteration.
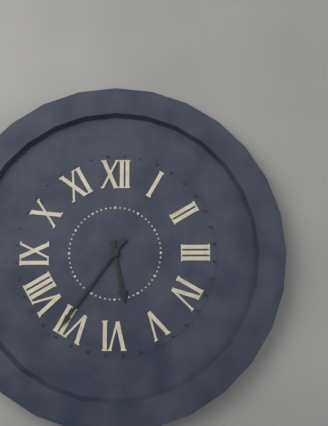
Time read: 5:36
